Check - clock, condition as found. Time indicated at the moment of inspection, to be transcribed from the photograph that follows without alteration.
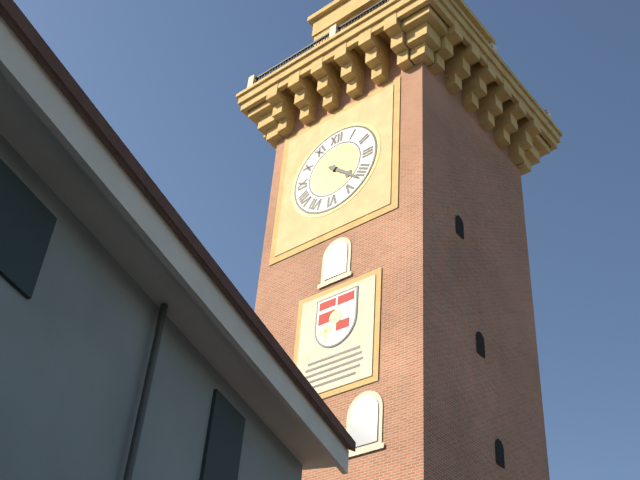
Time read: 4:22
